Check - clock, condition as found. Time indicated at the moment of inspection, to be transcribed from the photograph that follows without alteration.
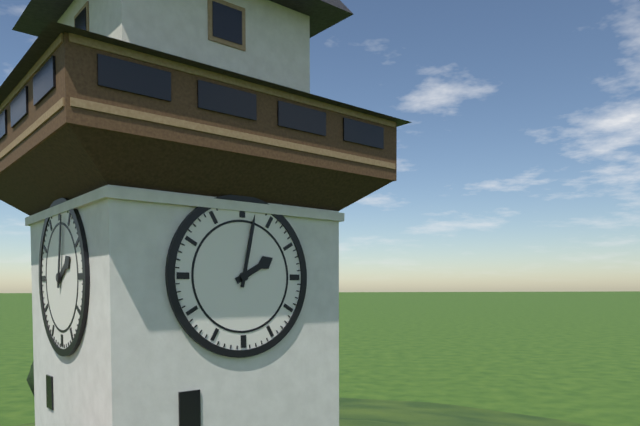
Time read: 2:02
